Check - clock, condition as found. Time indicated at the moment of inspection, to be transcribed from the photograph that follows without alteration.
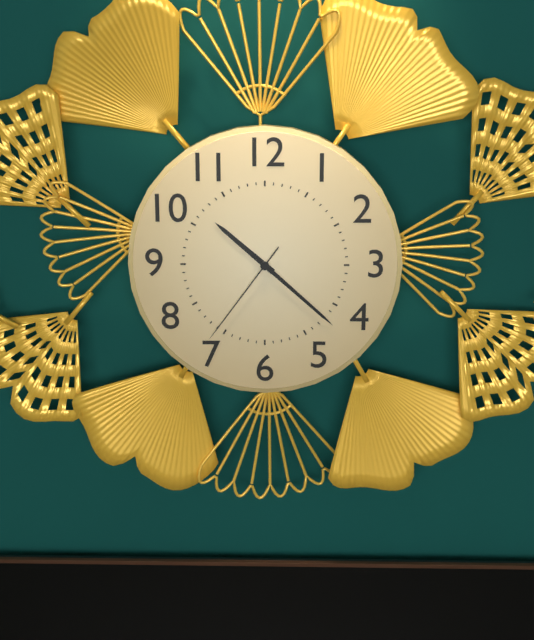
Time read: 10:22:36
